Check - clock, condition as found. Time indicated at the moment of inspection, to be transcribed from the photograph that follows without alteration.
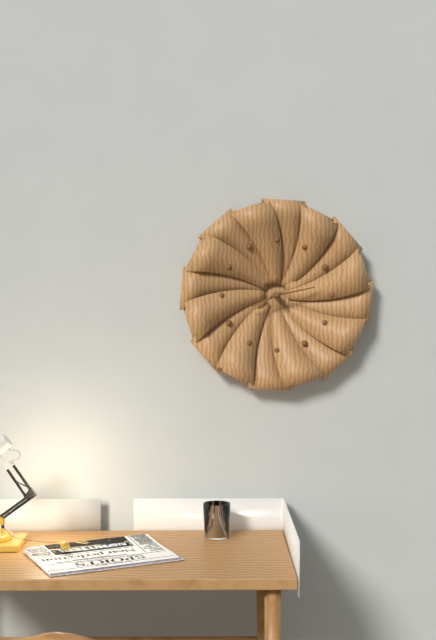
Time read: 8:13
